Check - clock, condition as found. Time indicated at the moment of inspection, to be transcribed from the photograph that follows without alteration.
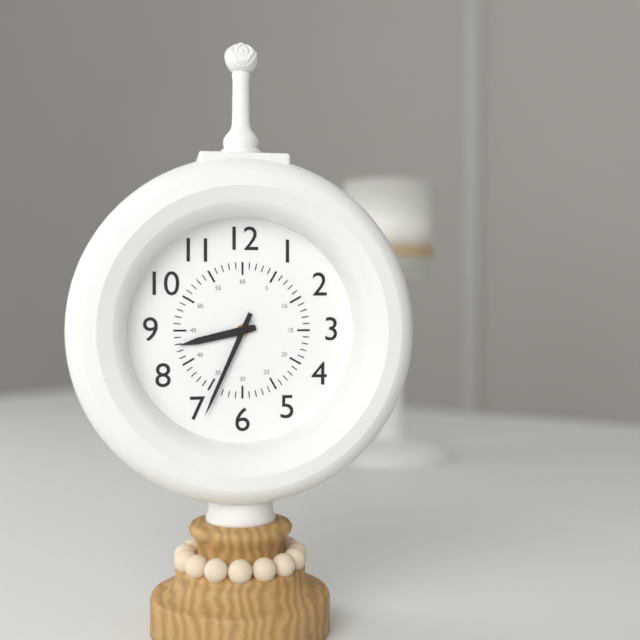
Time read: 8:34
